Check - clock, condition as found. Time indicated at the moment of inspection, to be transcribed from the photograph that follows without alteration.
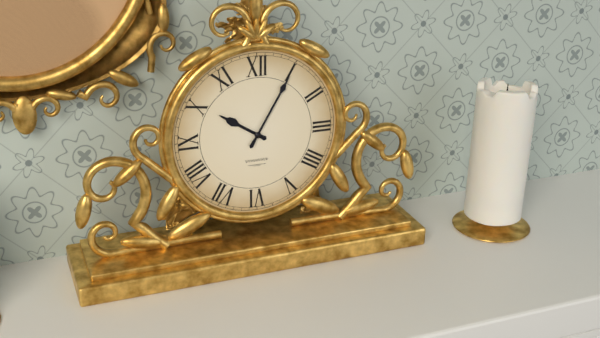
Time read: 10:05
